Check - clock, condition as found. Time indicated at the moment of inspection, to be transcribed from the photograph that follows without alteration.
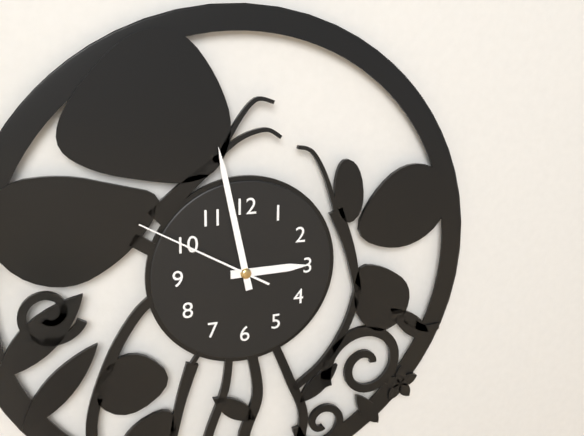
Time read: 2:58:50
